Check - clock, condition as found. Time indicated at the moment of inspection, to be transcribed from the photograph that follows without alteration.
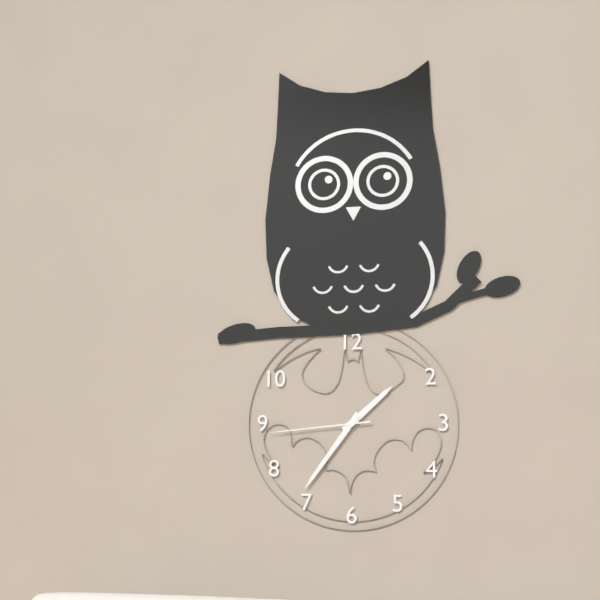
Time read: 1:36:44
